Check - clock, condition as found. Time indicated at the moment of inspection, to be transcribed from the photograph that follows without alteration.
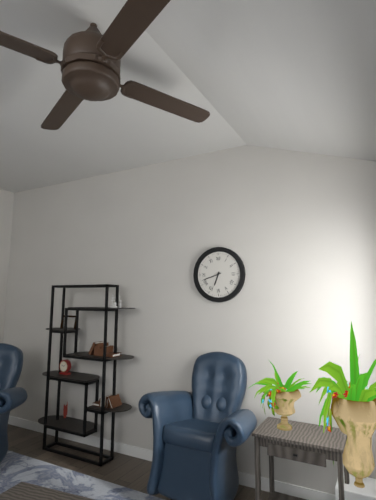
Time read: 6:42
